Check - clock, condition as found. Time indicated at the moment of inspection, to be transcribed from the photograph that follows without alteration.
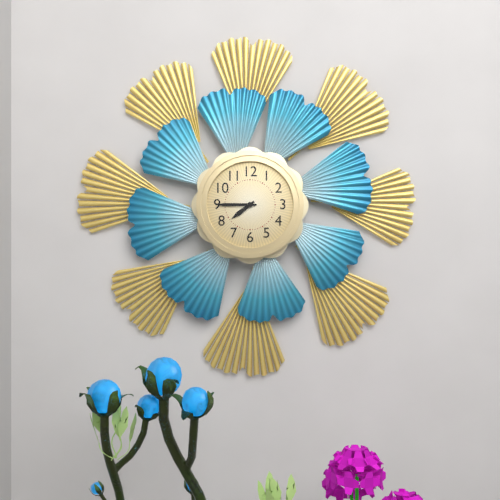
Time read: 7:45
